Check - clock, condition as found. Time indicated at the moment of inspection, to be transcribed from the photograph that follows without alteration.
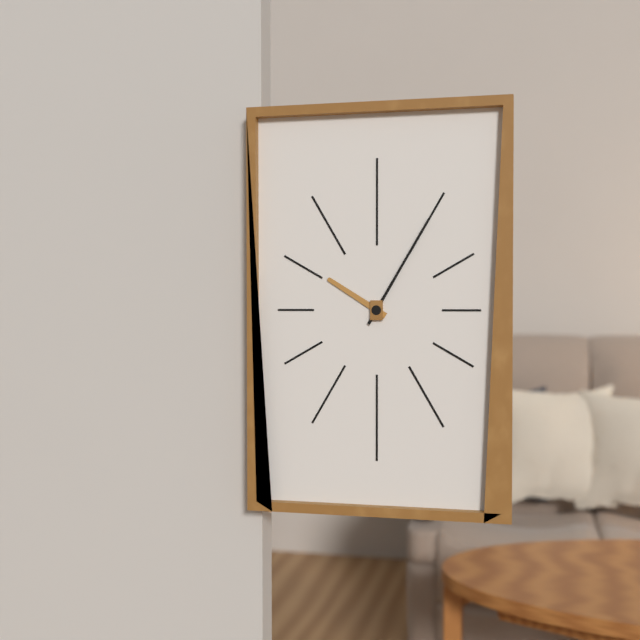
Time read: 10:05
